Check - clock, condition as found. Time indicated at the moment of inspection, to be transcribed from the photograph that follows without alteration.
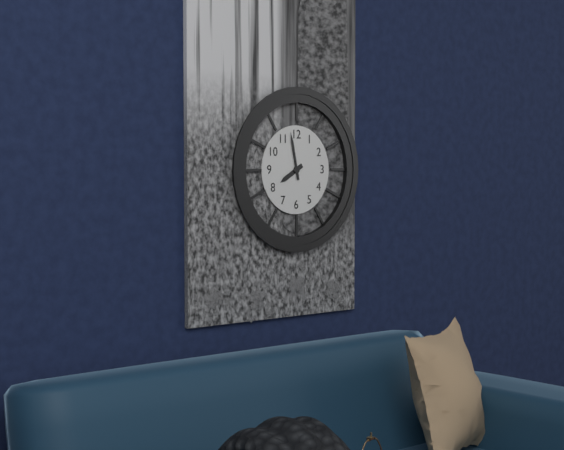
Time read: 7:58
